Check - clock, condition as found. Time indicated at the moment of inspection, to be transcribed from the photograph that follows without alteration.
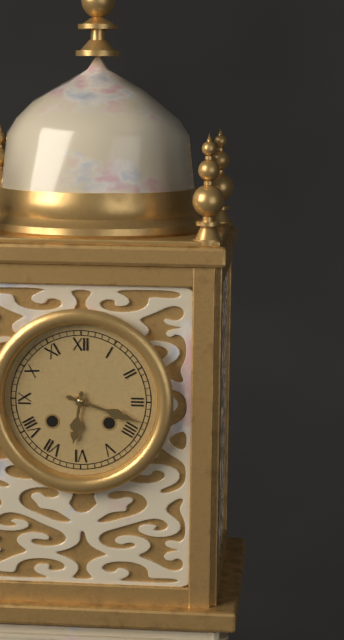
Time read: 6:18
